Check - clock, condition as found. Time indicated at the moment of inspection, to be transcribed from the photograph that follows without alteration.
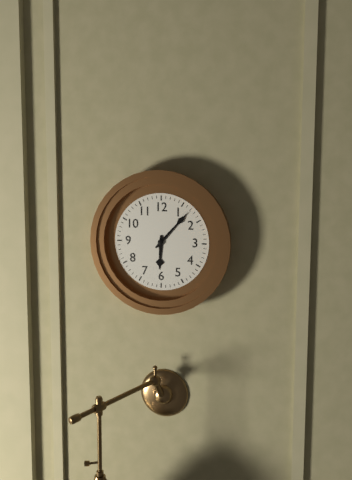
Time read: 6:07
